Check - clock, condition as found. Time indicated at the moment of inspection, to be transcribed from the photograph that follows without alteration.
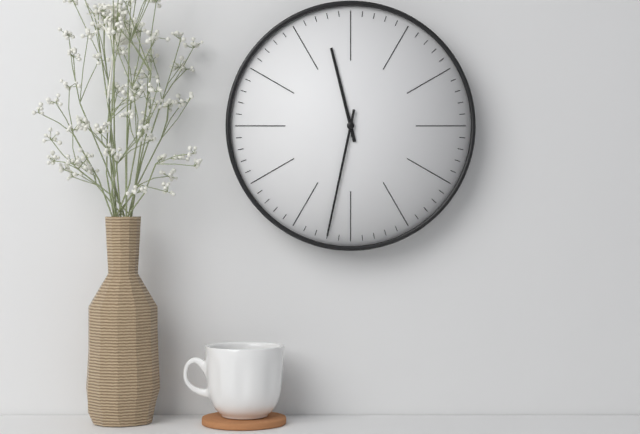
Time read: 11:32
